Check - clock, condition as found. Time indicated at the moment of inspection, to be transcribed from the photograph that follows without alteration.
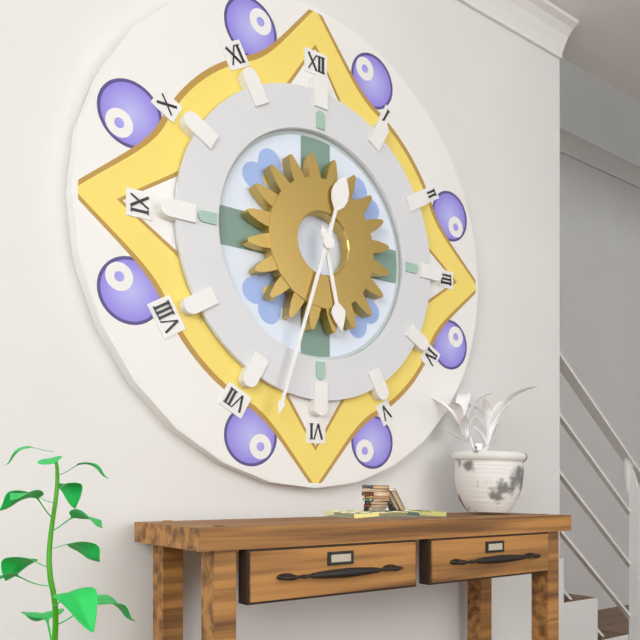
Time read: 5:33
